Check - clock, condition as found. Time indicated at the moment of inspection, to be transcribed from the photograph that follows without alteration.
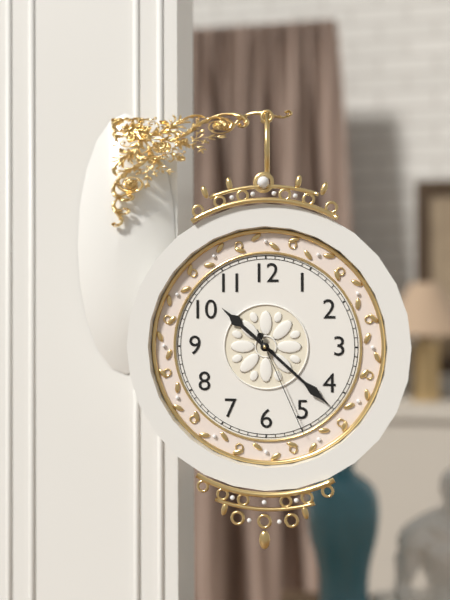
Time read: 10:22:26
